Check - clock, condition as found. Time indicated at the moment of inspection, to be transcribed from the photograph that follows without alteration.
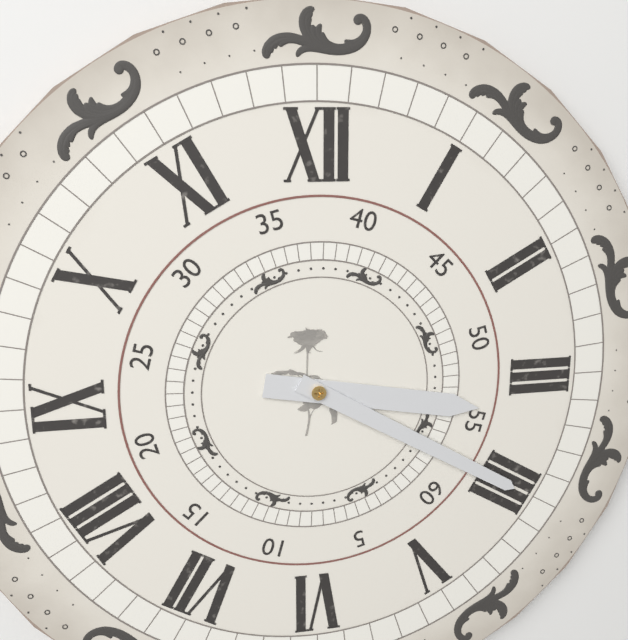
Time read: 3:20
